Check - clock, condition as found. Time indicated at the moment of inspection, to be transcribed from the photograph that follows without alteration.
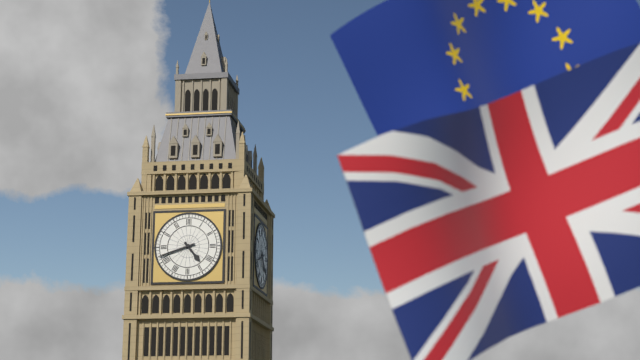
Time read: 4:42
